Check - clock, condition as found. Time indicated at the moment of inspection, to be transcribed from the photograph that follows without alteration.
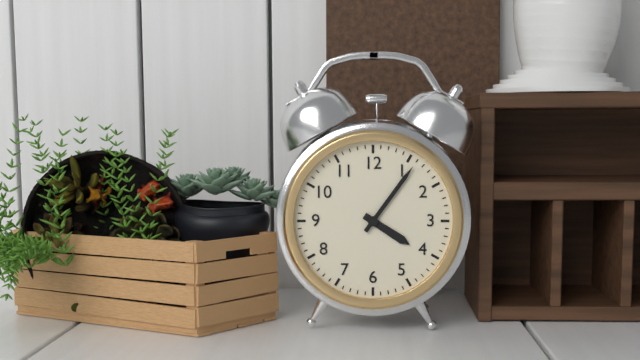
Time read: 4:06
